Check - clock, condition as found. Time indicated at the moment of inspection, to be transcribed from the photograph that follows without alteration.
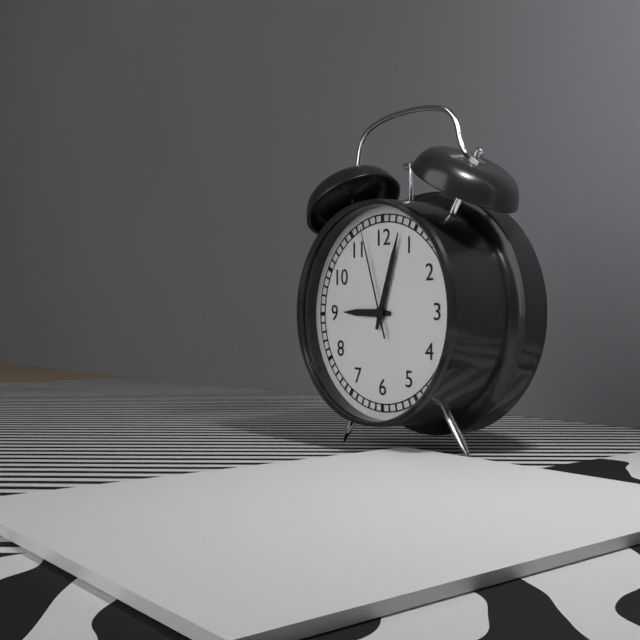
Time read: 9:03:57
